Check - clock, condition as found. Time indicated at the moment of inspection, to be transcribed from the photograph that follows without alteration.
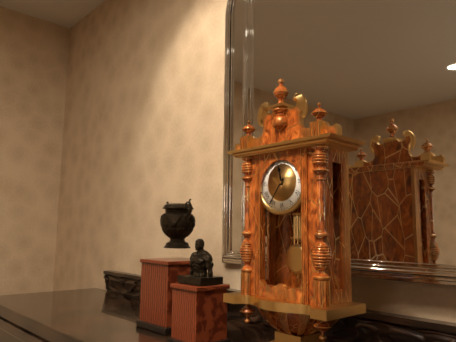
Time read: 11:36
